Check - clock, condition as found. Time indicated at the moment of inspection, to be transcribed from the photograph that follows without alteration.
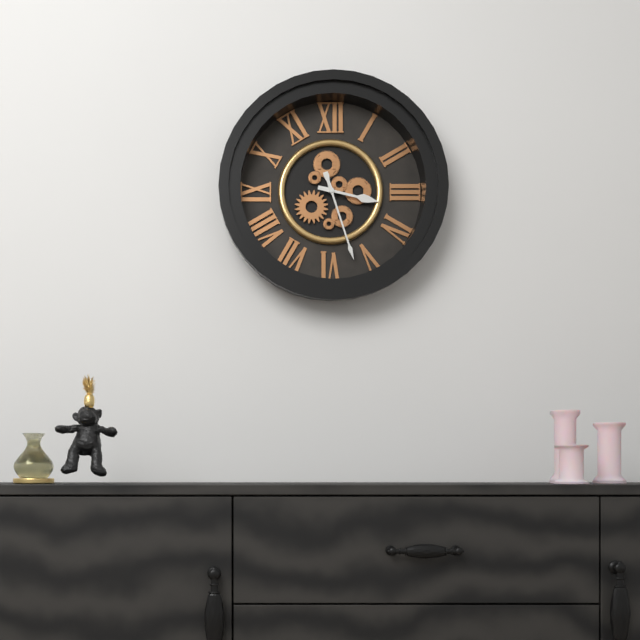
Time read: 3:27
